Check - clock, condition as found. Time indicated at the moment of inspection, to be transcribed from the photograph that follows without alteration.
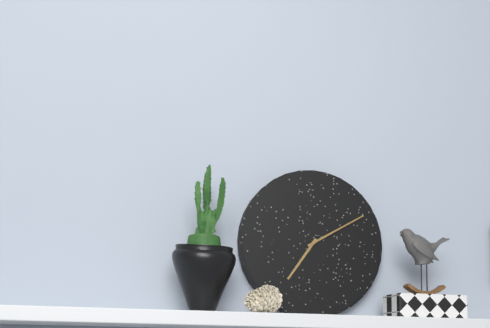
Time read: 7:10
